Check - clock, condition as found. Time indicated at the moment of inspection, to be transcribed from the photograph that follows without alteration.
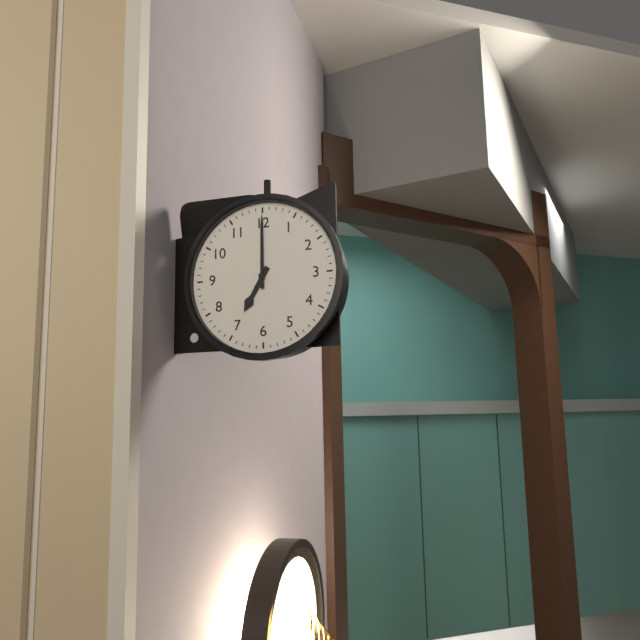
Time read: 7:00
